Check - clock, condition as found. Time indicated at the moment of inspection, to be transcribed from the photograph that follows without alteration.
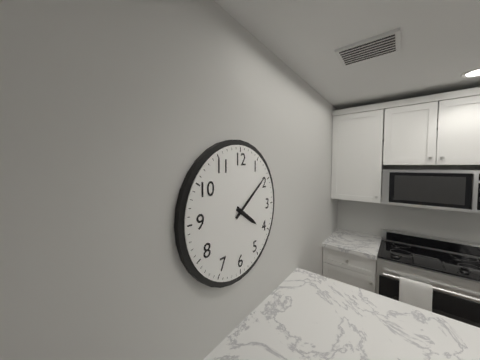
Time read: 4:09
